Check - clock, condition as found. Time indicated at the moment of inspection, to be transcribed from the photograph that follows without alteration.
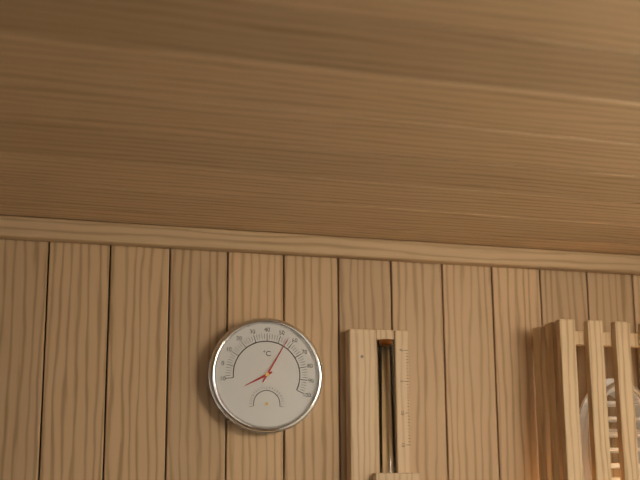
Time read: 8:05
